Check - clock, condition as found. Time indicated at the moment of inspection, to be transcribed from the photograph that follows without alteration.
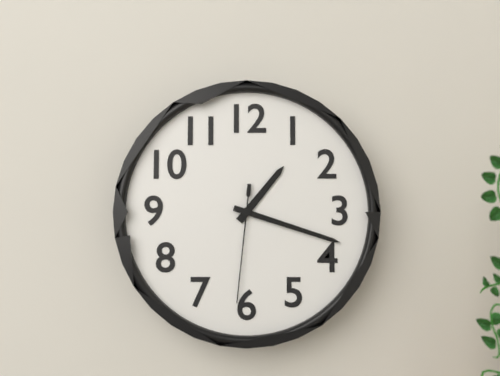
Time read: 1:18:31
